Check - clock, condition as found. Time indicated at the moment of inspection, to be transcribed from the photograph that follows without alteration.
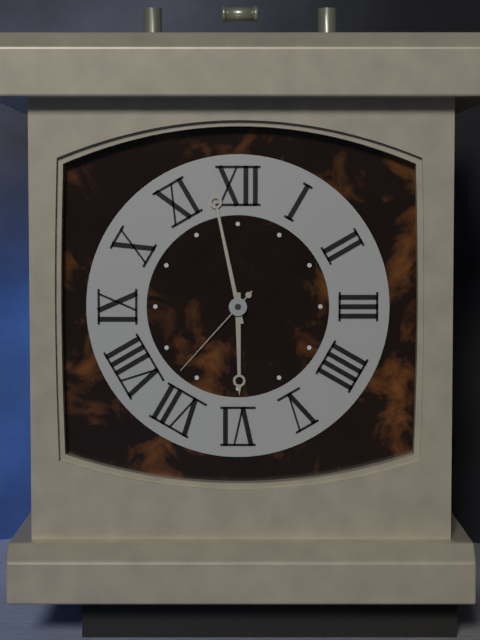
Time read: 5:58:37
